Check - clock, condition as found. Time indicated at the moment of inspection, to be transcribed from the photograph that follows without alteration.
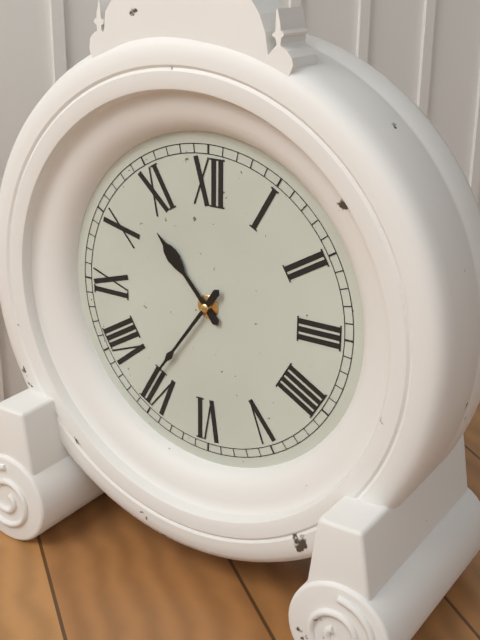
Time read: 10:36
